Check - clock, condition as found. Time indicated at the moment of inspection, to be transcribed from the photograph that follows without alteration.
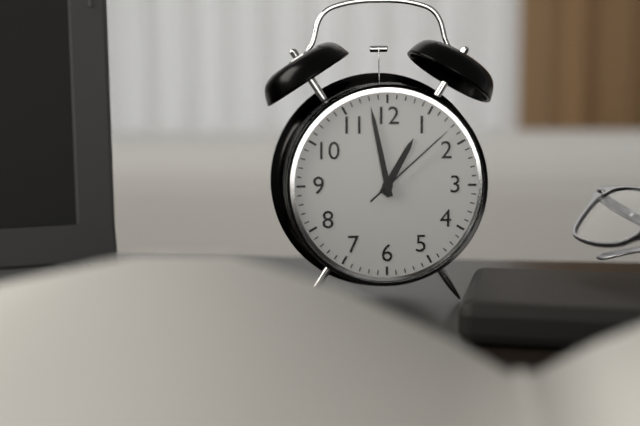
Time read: 12:58:08
